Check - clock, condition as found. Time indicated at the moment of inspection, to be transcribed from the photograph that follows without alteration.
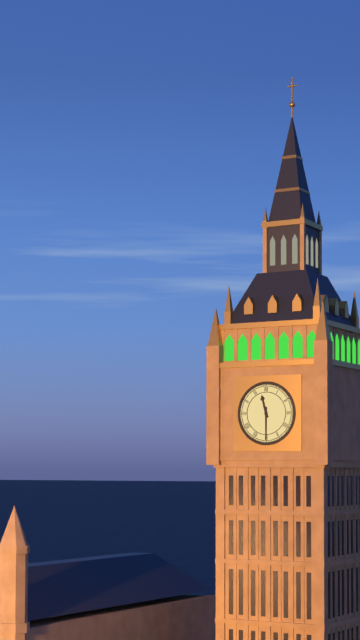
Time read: 11:30
